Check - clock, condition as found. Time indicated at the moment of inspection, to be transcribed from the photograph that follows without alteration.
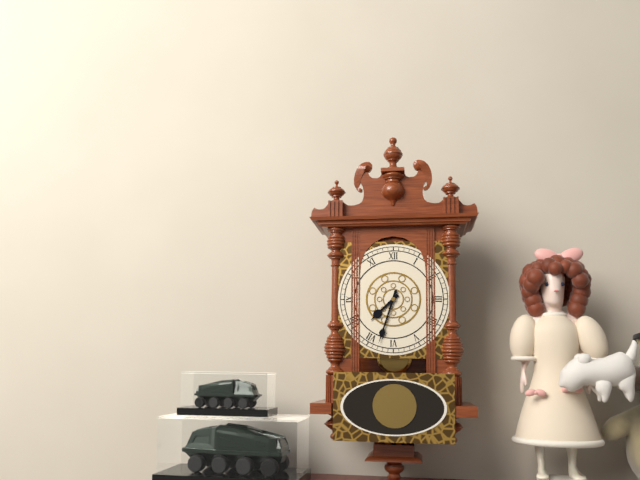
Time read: 7:33
